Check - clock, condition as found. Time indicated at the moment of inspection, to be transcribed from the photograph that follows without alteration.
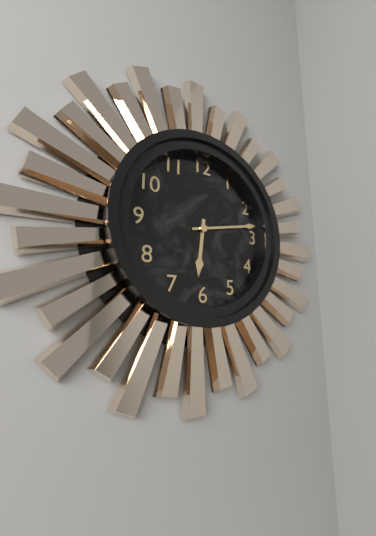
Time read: 6:13
